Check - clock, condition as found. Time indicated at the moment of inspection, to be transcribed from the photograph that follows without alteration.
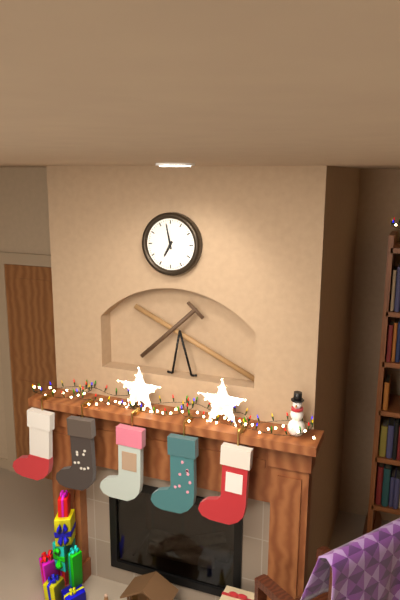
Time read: 6:58
